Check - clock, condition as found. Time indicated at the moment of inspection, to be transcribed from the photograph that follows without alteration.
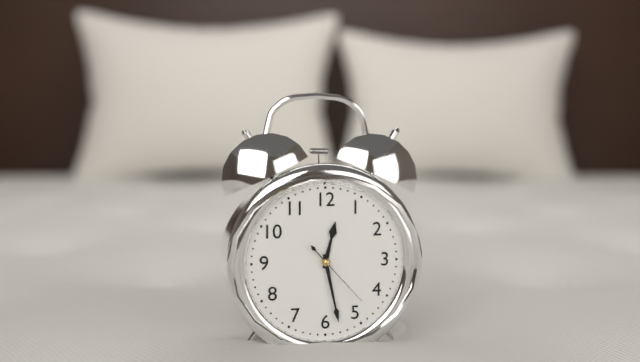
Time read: 12:28:23
